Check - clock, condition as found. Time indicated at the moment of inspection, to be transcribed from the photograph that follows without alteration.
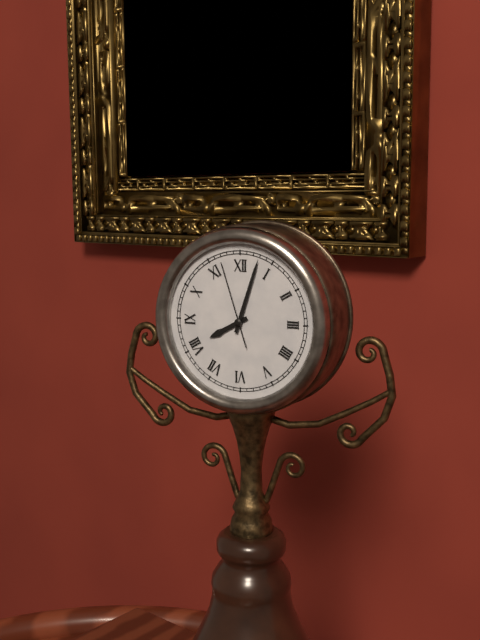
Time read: 8:03:57
